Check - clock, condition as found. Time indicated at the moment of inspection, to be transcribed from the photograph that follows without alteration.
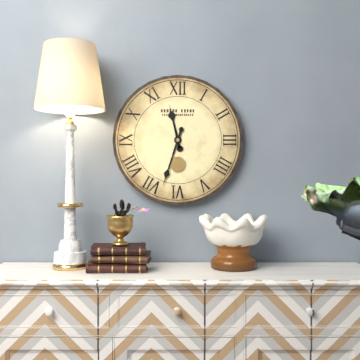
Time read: 11:33
